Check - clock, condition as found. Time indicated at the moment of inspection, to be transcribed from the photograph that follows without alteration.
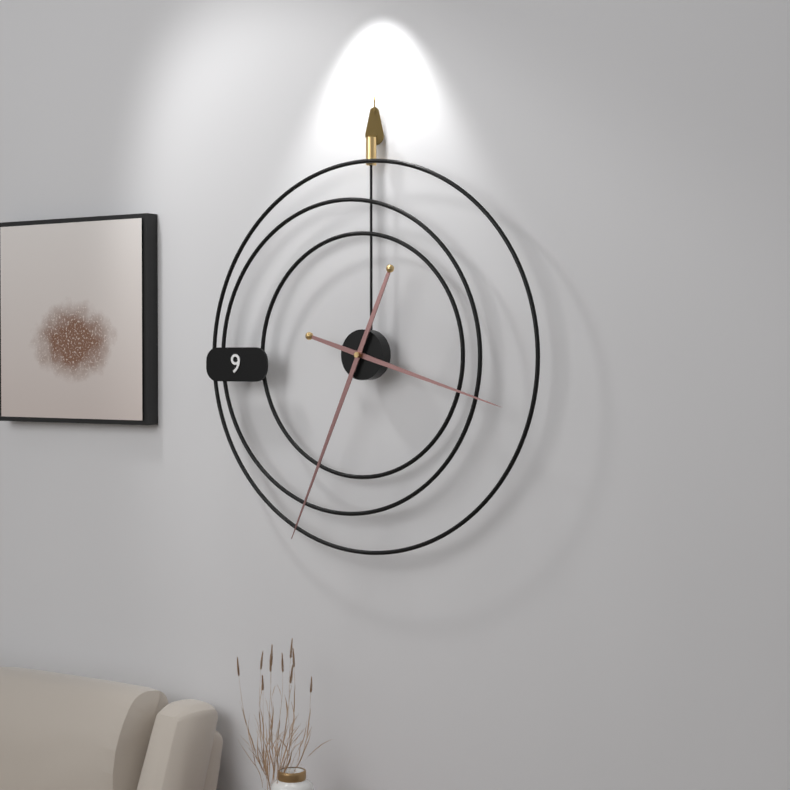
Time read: 3:34
